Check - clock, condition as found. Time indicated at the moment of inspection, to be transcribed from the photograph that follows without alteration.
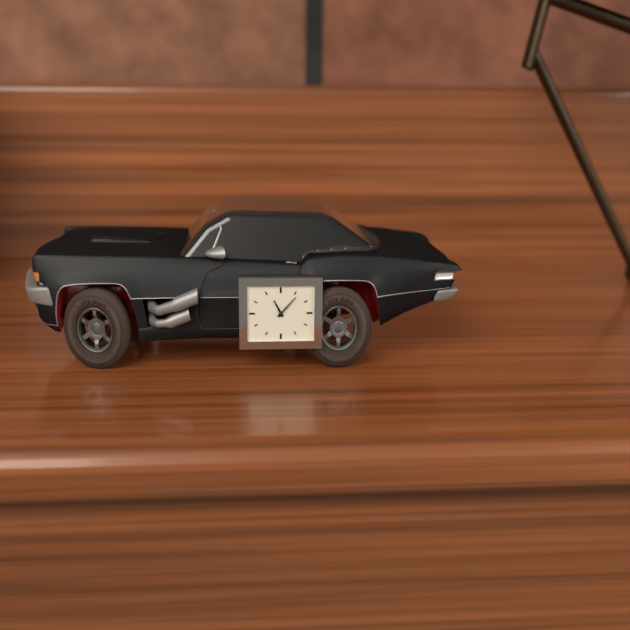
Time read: 11:07
